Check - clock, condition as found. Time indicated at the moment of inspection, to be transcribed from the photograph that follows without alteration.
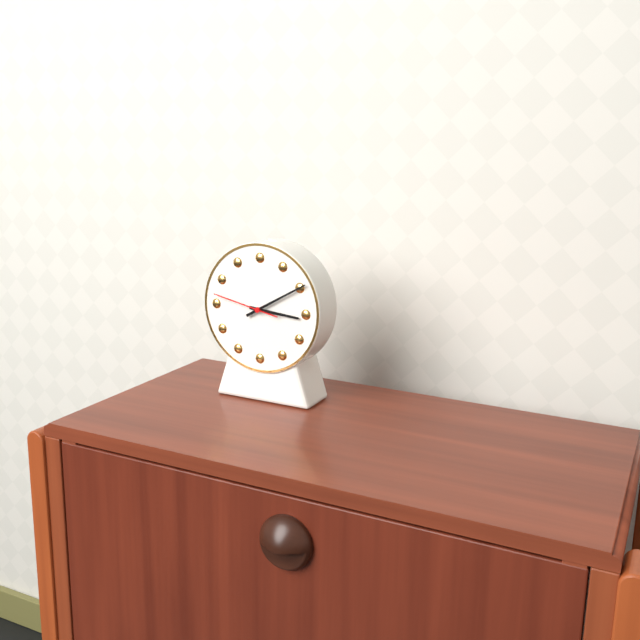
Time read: 3:10:47
